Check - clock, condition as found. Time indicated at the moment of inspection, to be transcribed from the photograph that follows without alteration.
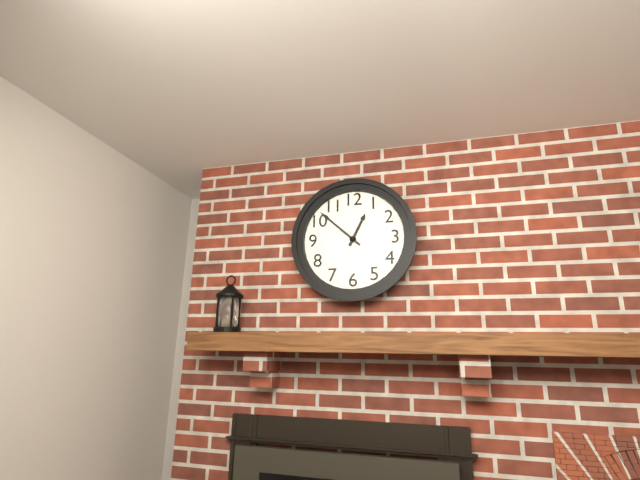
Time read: 12:52
